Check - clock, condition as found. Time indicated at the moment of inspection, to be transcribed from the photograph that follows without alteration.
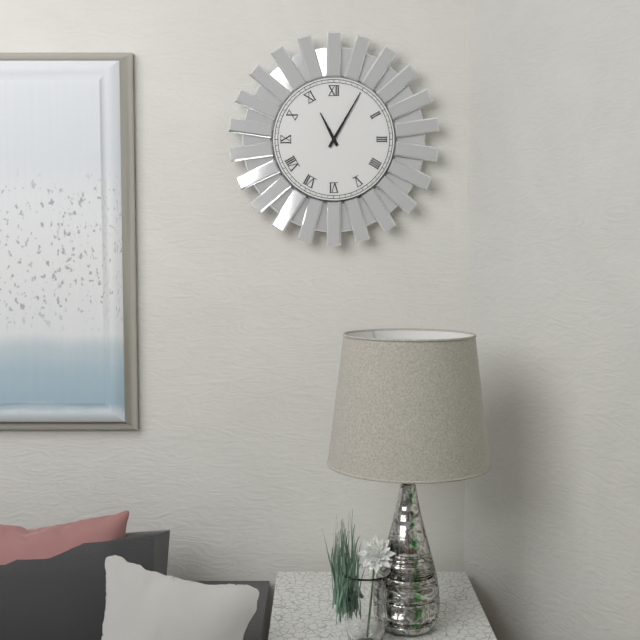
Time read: 11:05
